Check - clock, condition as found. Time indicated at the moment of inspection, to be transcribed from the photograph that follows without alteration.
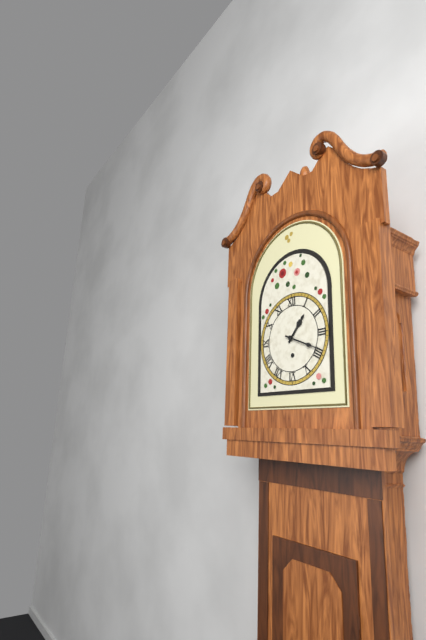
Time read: 1:19
